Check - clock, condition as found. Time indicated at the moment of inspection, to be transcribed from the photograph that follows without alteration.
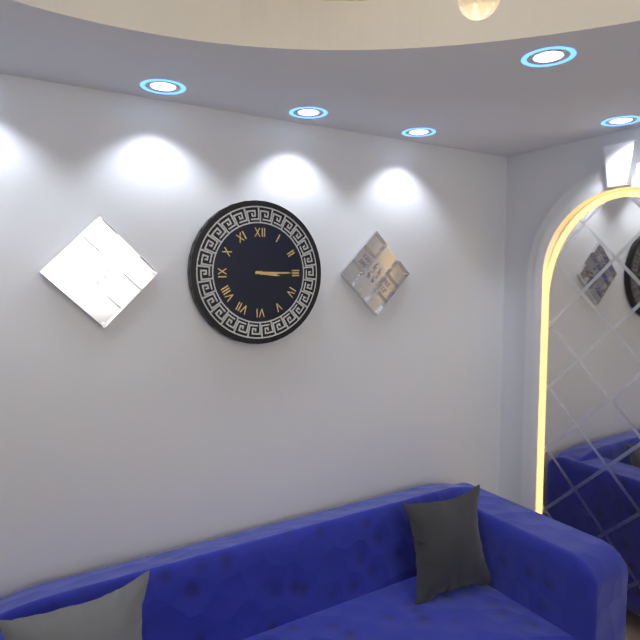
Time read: 3:15
